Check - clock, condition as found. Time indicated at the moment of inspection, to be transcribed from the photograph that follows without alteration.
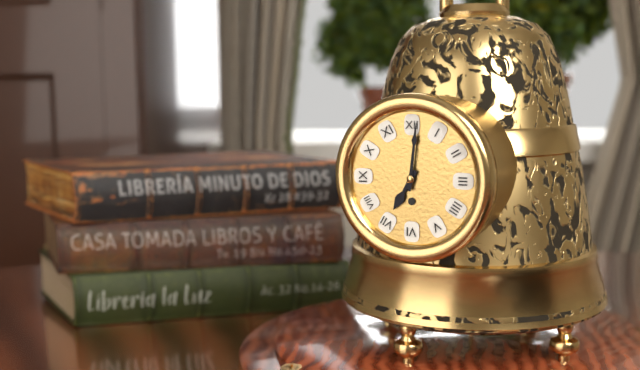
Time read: 7:01
